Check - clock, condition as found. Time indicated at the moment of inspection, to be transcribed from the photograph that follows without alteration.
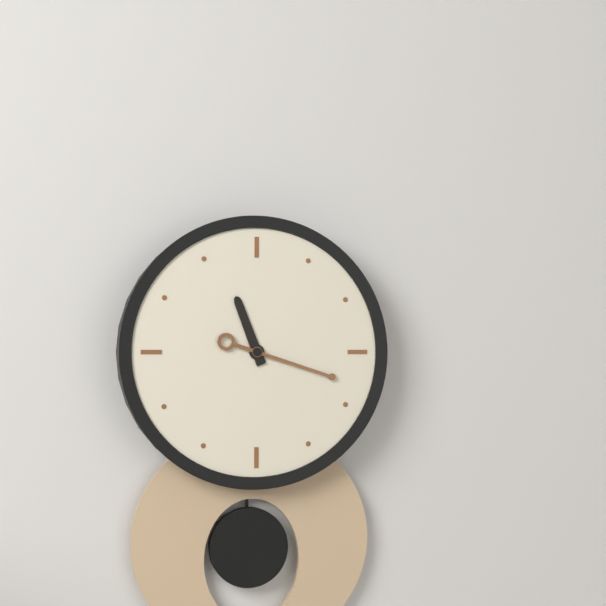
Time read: 11:18
